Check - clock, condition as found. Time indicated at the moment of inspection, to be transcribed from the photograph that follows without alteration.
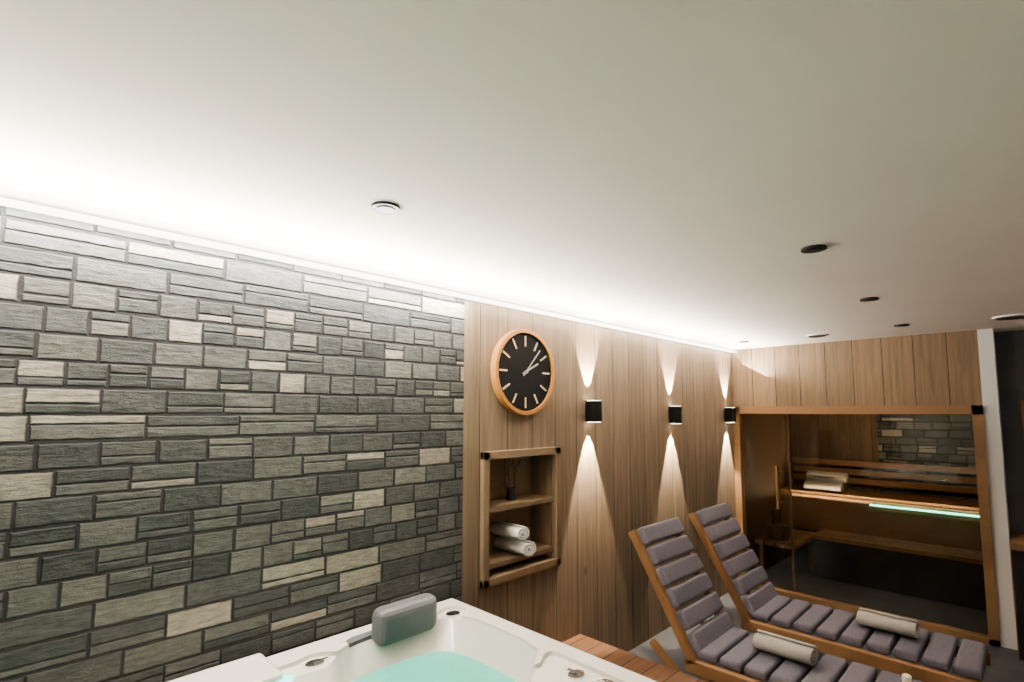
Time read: 2:07
